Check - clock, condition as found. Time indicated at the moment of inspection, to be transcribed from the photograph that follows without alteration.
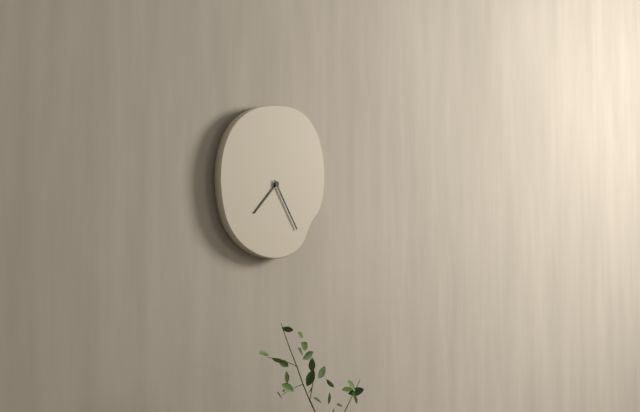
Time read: 7:25
